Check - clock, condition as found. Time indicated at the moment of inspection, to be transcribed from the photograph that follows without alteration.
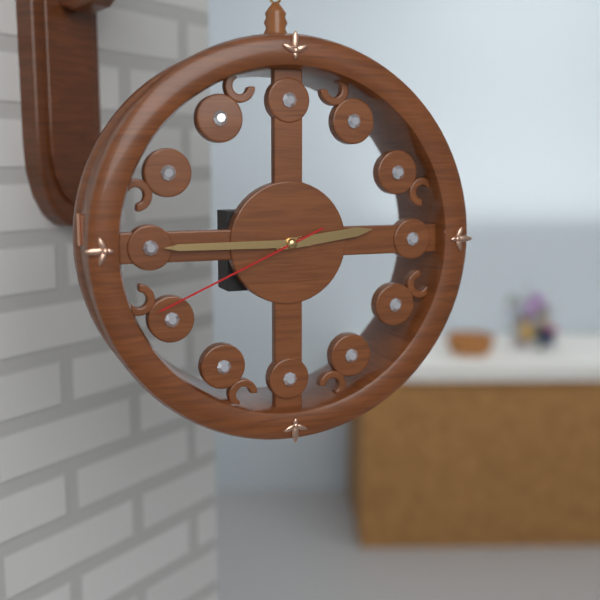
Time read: 2:45:41
